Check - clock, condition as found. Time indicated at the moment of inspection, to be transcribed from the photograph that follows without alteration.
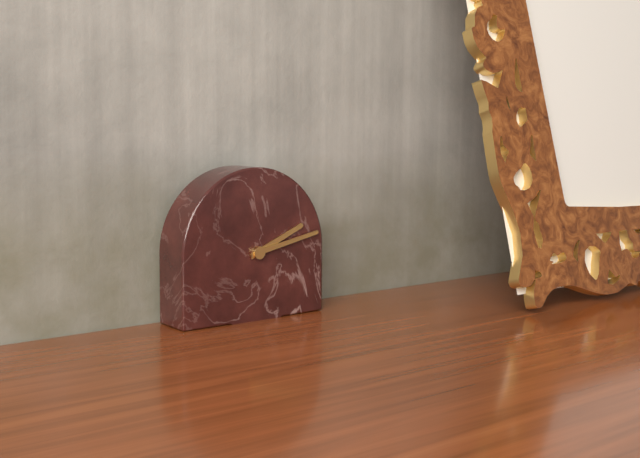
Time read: 2:13
